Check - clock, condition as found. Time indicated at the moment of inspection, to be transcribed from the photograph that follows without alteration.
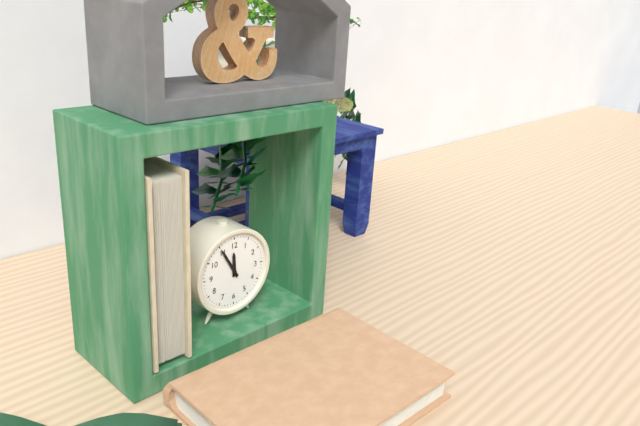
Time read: 11:55
